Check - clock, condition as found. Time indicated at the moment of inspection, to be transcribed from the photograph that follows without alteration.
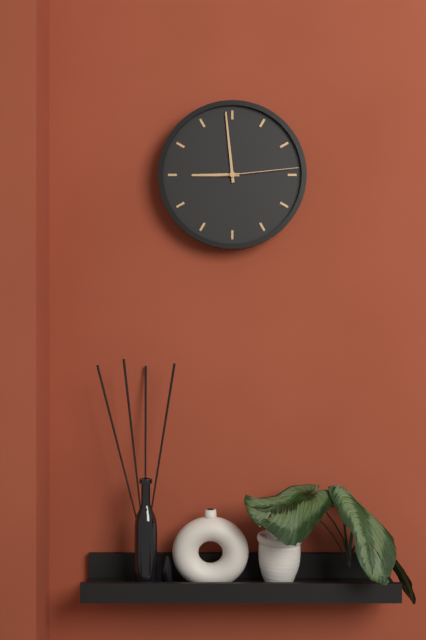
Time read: 8:59:14
